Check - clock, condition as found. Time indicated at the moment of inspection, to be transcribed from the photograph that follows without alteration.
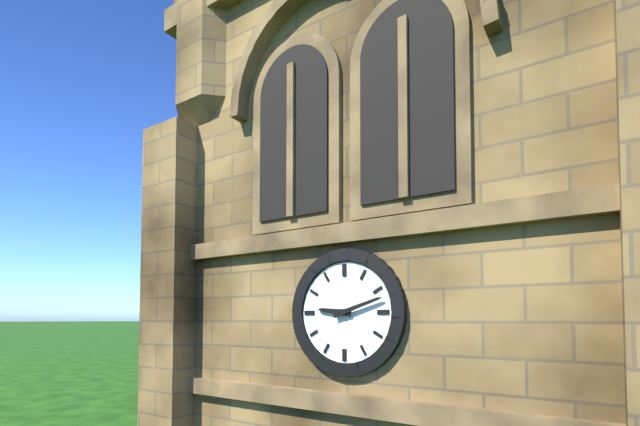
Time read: 9:12
